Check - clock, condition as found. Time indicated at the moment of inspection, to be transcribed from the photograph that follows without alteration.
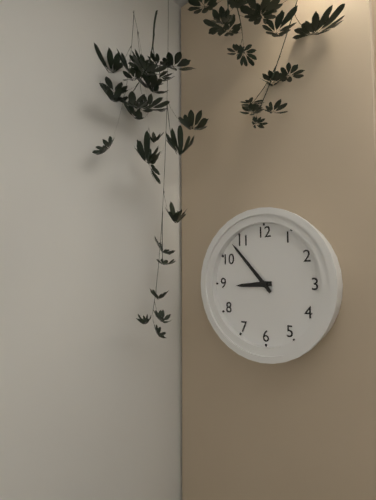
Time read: 8:53
